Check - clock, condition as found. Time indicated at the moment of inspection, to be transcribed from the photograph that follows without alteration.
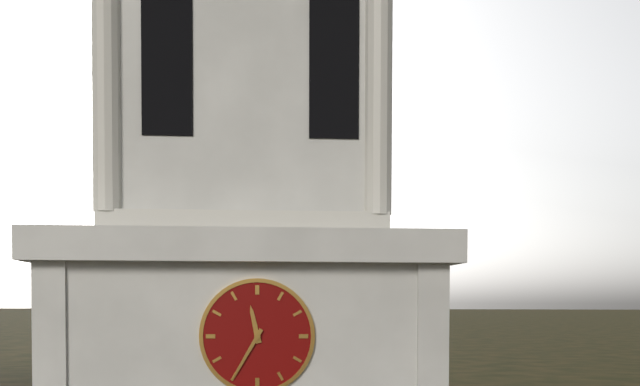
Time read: 11:35
